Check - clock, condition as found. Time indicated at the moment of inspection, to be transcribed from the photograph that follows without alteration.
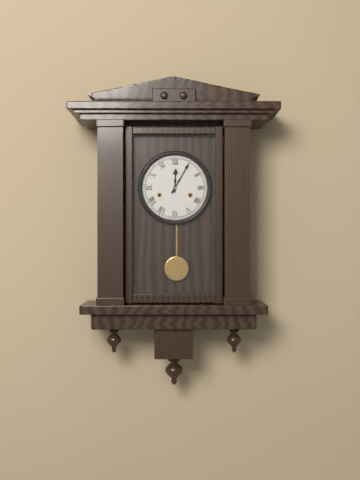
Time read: 12:05
